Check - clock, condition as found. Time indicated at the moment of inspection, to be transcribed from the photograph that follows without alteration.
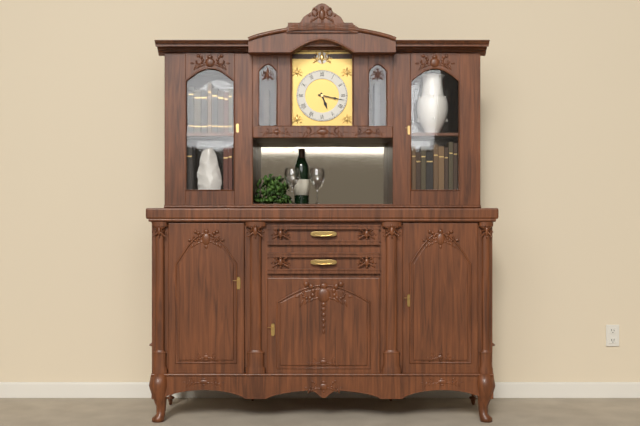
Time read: 5:17
